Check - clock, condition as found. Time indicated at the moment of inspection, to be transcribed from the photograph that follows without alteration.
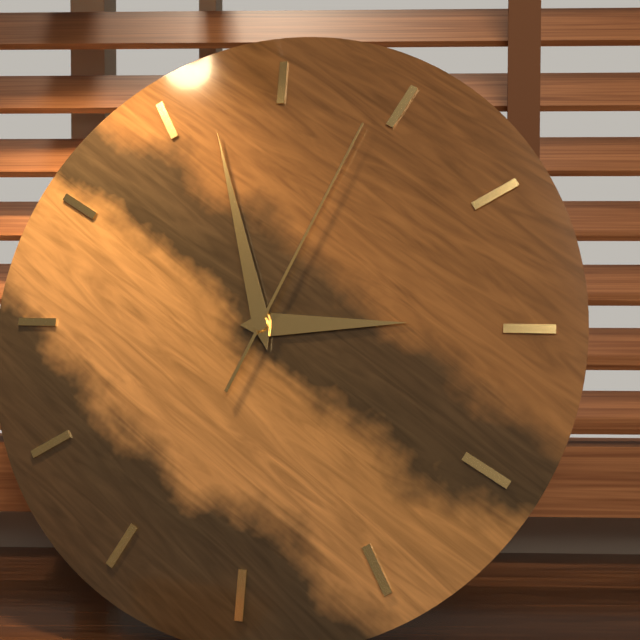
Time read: 2:57:04
